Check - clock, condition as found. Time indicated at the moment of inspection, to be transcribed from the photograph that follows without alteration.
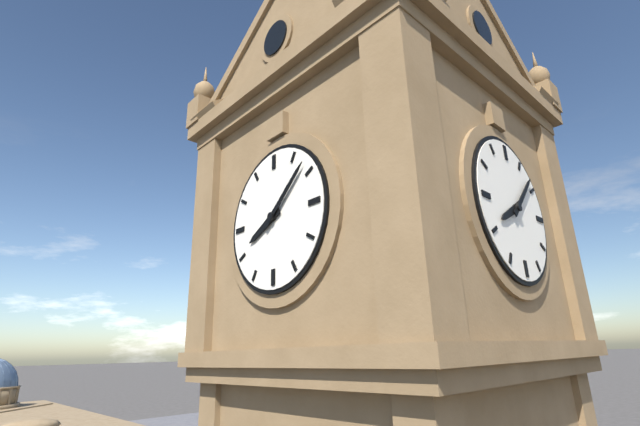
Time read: 8:08
